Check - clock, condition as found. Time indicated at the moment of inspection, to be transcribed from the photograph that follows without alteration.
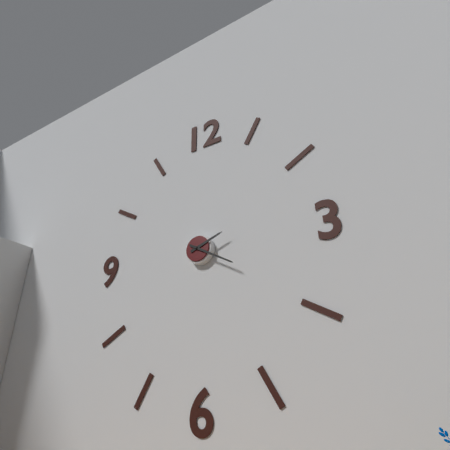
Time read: 2:20
